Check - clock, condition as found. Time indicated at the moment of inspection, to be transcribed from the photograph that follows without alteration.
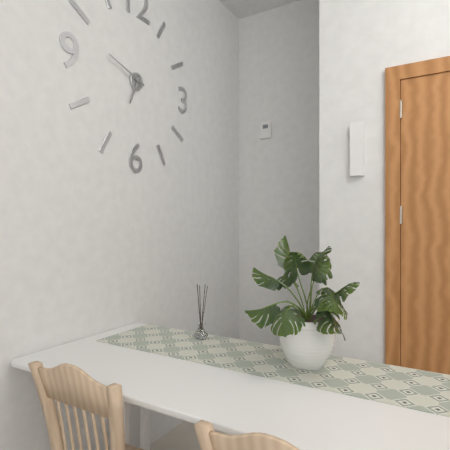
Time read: 6:48
